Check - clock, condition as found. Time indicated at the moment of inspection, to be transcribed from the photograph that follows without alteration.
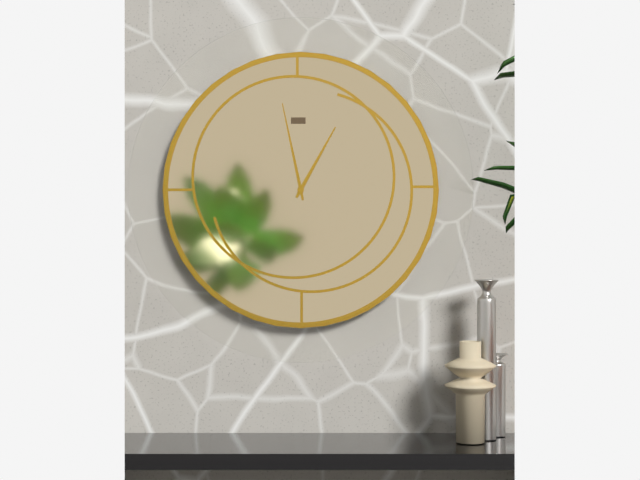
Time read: 12:58
